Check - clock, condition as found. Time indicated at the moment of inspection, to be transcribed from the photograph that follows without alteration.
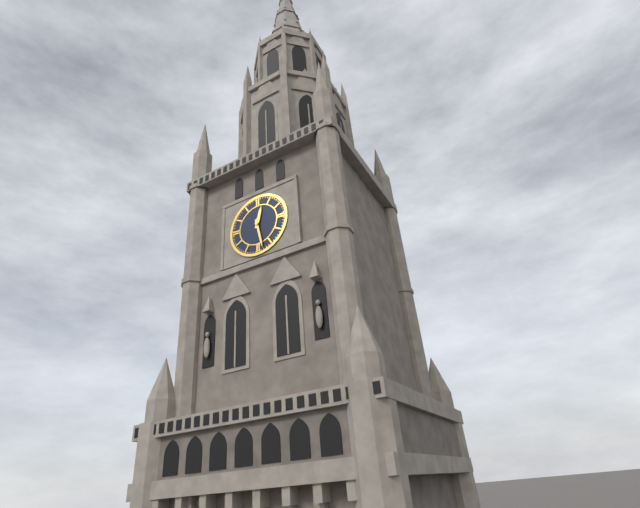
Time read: 12:28
